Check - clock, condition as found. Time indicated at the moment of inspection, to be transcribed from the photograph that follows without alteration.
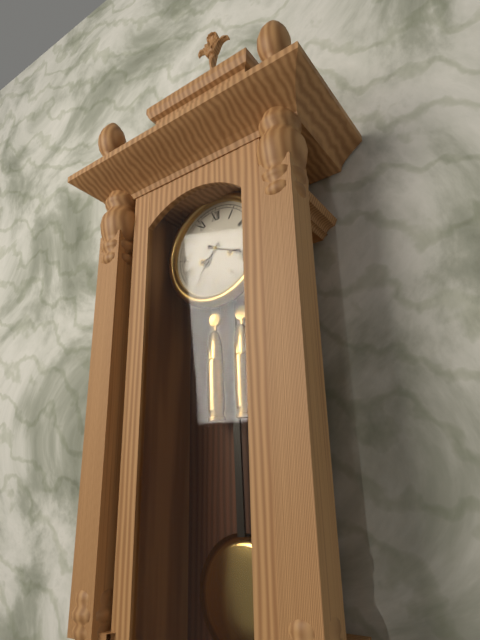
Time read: 7:19
